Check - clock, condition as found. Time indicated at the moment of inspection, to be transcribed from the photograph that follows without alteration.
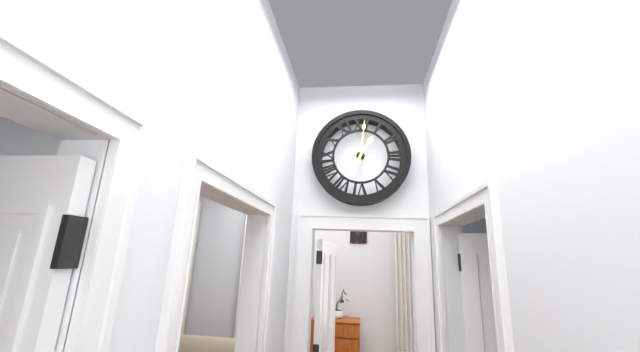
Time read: 1:01
